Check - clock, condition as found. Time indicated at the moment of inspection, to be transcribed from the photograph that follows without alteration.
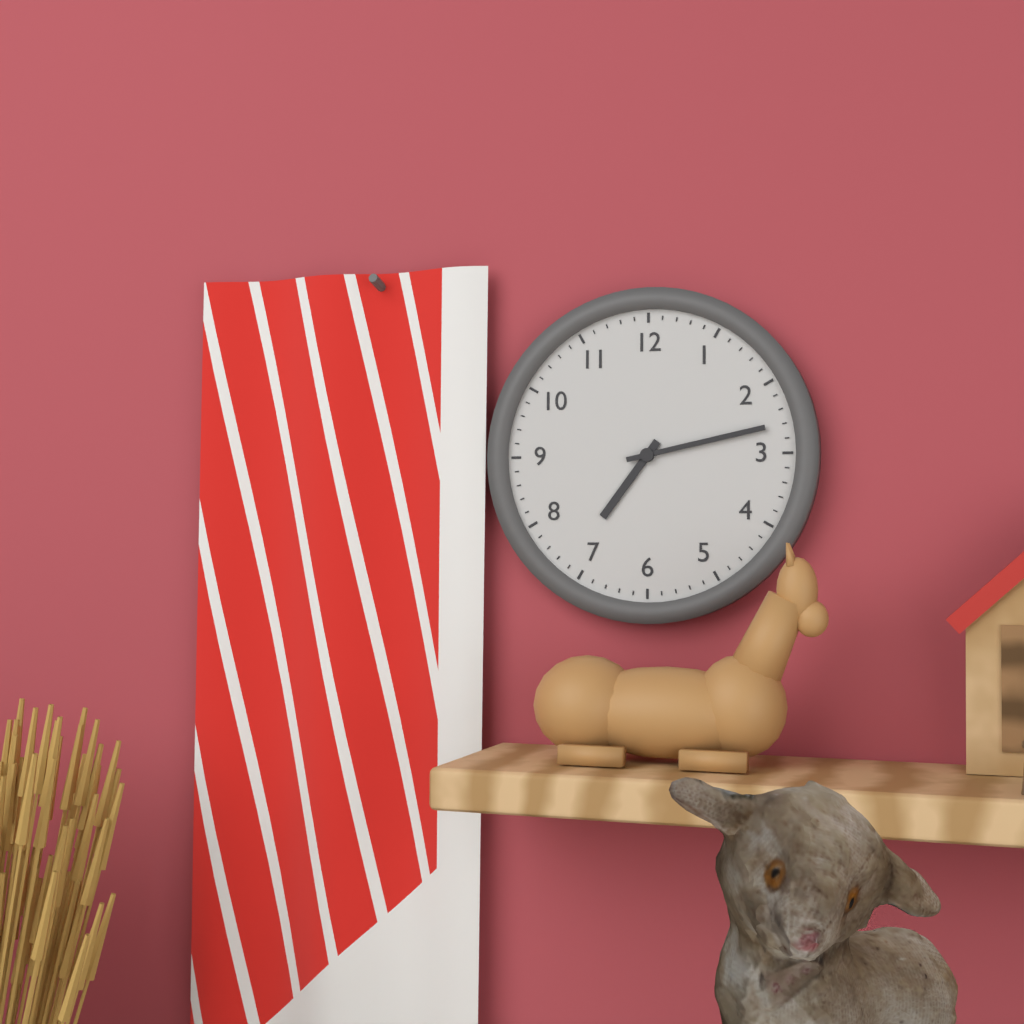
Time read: 7:13
